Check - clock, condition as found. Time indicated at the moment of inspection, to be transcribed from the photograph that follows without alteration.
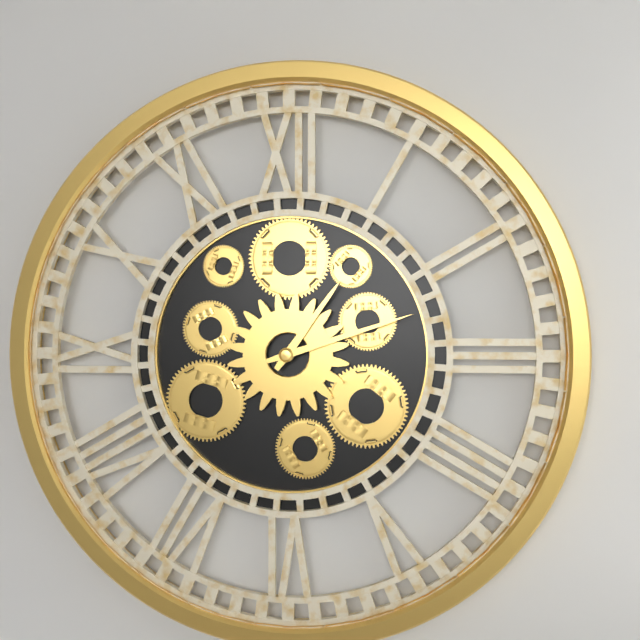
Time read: 1:12
